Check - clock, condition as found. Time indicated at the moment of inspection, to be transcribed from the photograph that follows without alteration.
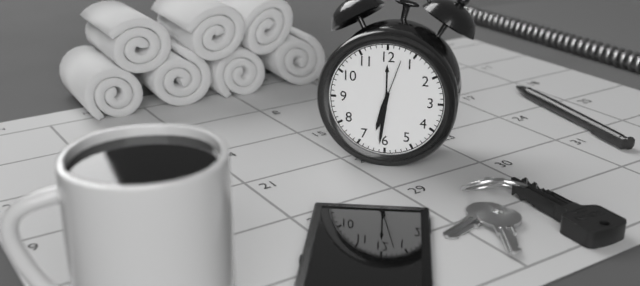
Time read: 6:31:03
